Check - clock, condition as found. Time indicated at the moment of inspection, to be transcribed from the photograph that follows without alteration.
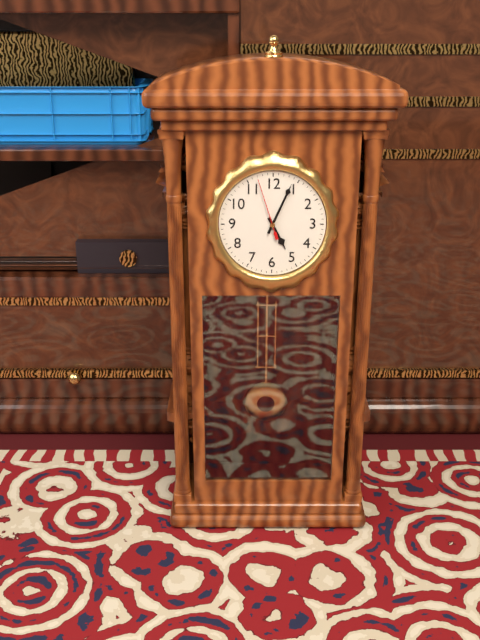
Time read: 5:04:57
